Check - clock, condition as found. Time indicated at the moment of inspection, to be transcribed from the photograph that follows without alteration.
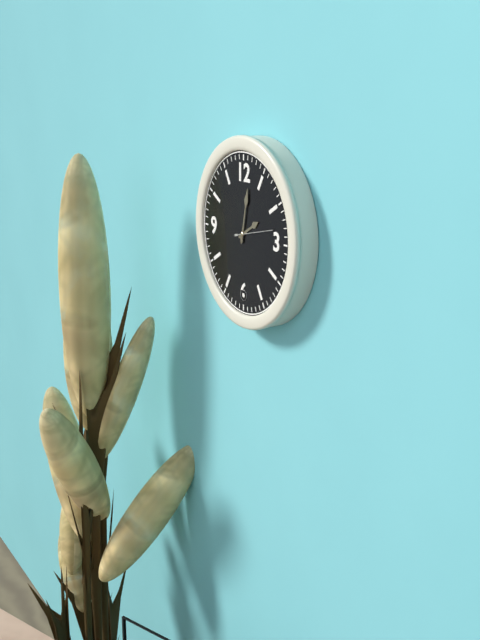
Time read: 2:02
